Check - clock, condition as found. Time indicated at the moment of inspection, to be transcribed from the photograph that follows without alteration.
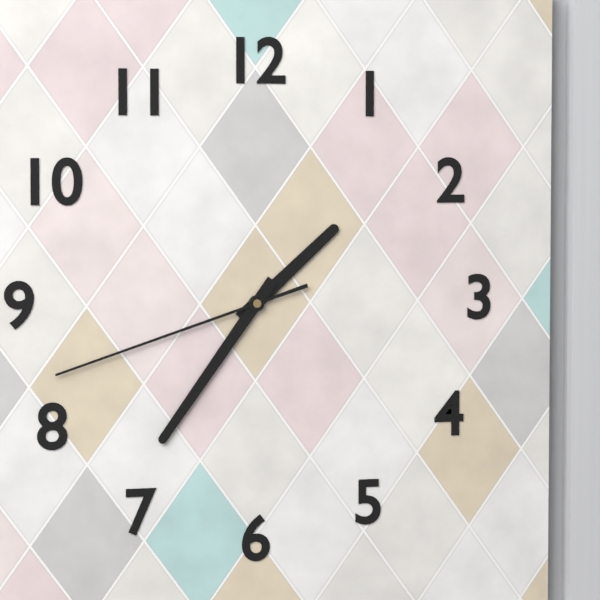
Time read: 1:36:42
